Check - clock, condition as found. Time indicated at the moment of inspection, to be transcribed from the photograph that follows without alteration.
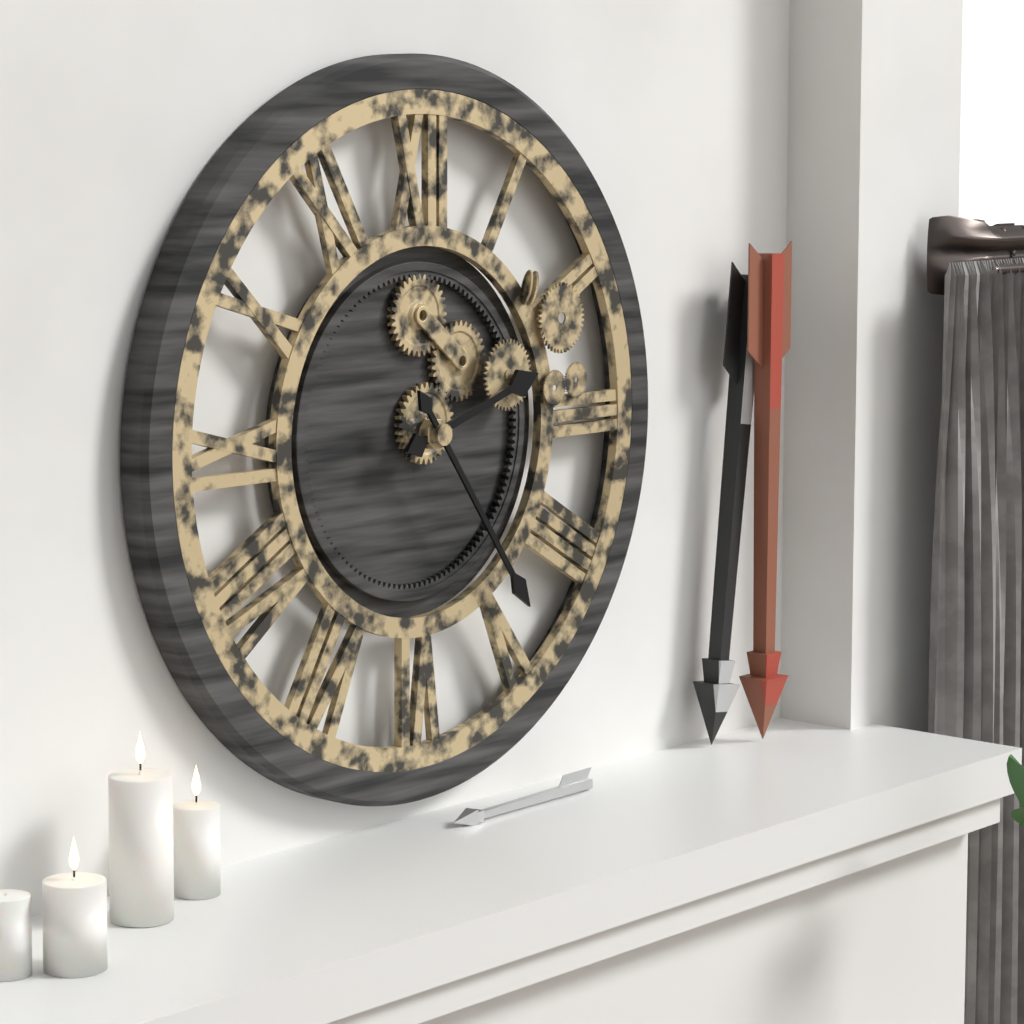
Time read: 2:24
